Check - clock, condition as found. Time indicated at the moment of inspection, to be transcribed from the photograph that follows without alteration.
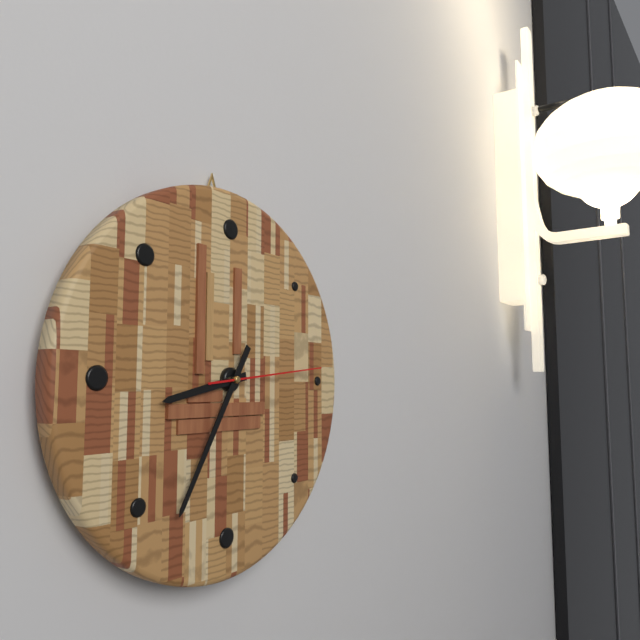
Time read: 8:35:14
